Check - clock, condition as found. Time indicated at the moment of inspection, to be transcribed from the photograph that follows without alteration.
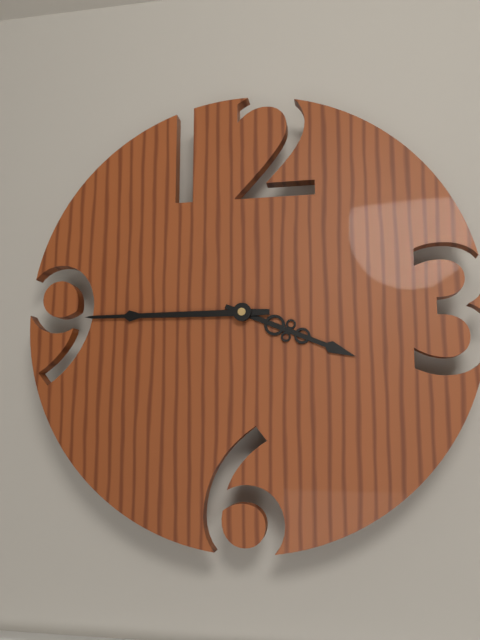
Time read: 3:45
